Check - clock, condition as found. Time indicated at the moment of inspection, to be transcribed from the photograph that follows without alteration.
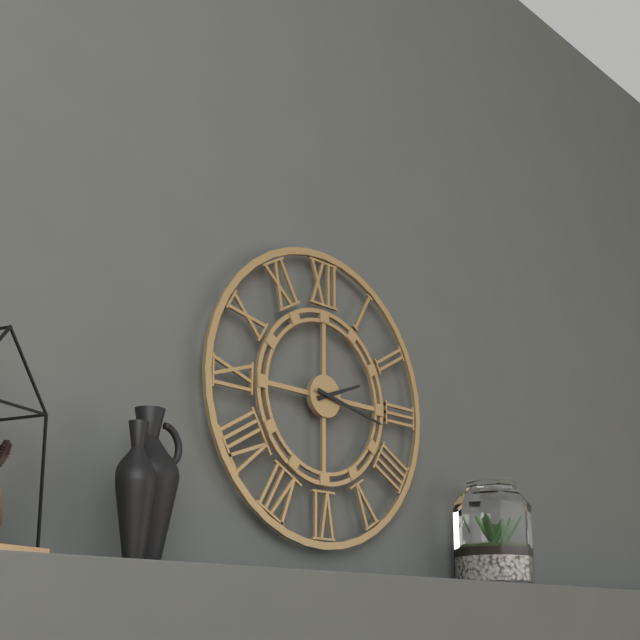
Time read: 2:17
